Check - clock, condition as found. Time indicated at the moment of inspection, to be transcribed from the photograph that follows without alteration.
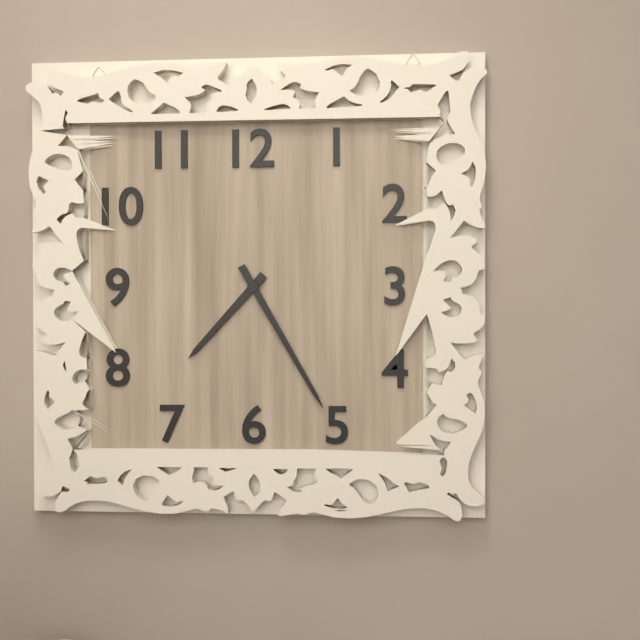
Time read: 7:25
